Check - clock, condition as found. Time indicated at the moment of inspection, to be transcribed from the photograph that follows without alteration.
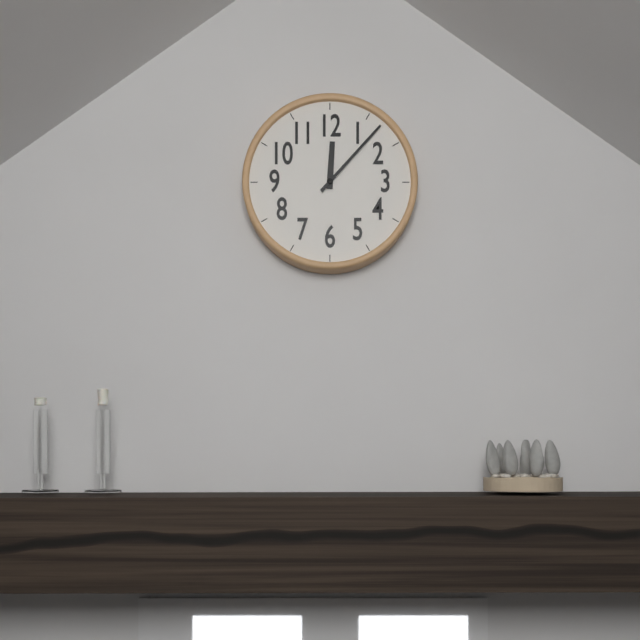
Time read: 12:07
